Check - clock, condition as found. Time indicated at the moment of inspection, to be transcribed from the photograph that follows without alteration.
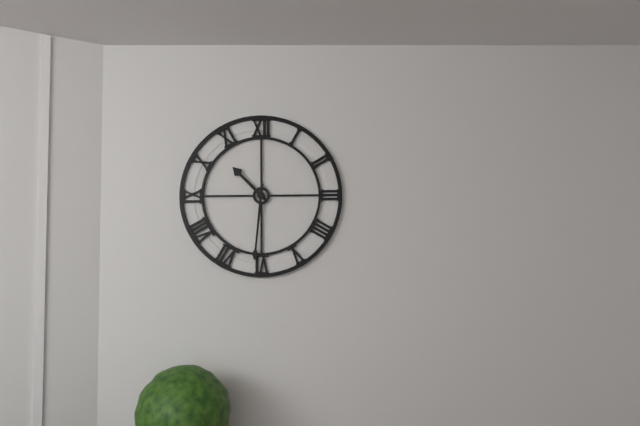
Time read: 10:31
